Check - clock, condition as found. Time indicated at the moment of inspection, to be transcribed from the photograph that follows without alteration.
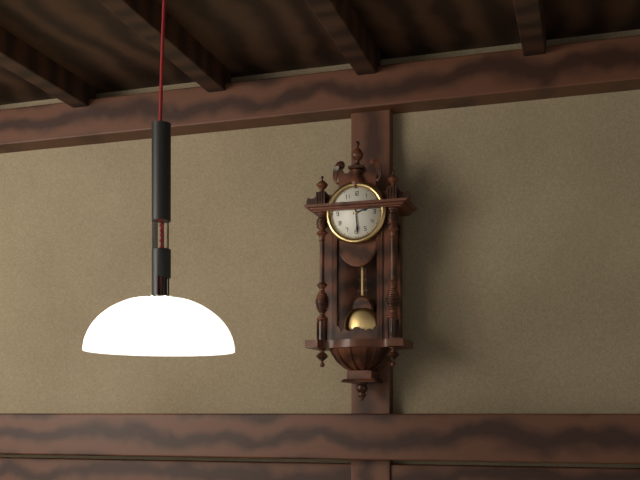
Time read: 2:29
